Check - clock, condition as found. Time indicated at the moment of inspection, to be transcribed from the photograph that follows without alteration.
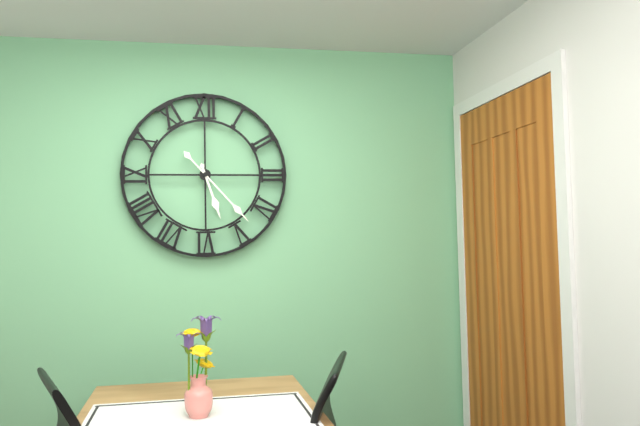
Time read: 5:23
